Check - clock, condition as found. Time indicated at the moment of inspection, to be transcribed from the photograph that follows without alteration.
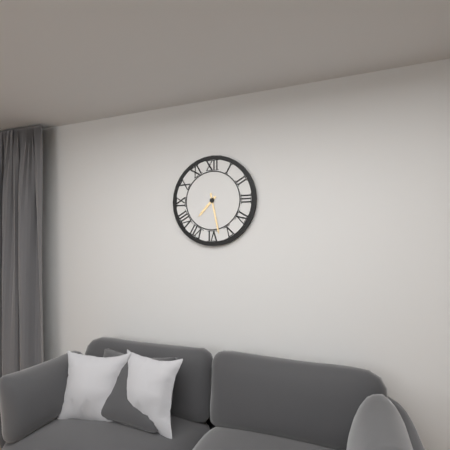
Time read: 7:28
